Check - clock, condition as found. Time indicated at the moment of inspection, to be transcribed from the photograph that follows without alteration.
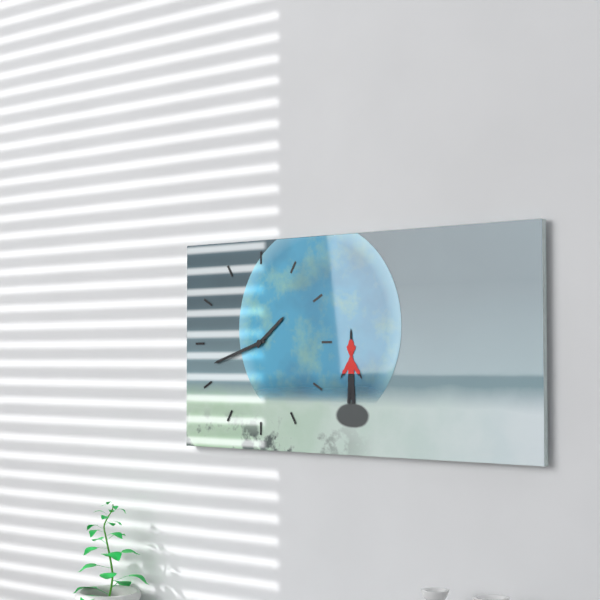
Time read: 1:42
